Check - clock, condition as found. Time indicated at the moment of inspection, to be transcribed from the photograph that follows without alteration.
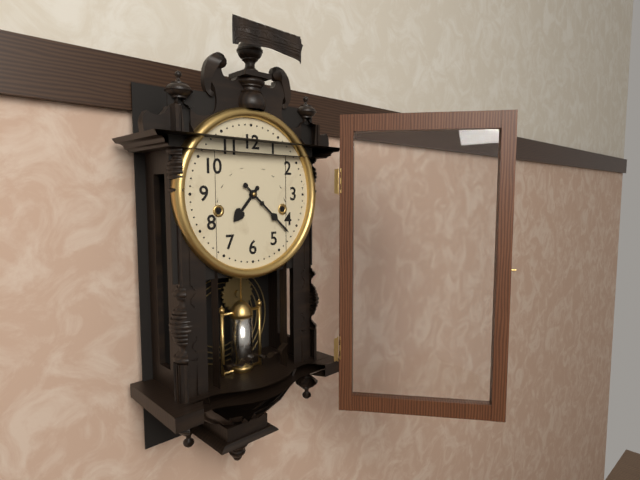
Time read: 7:22
